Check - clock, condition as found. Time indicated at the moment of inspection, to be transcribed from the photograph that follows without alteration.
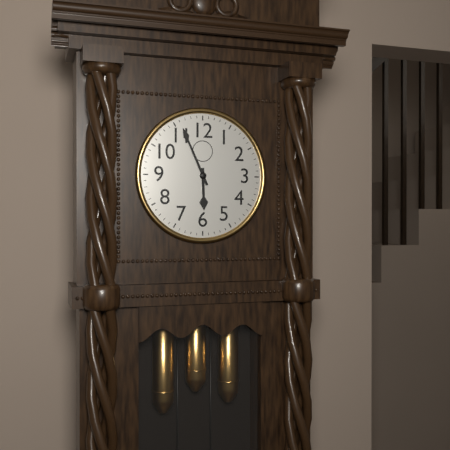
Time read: 5:56
